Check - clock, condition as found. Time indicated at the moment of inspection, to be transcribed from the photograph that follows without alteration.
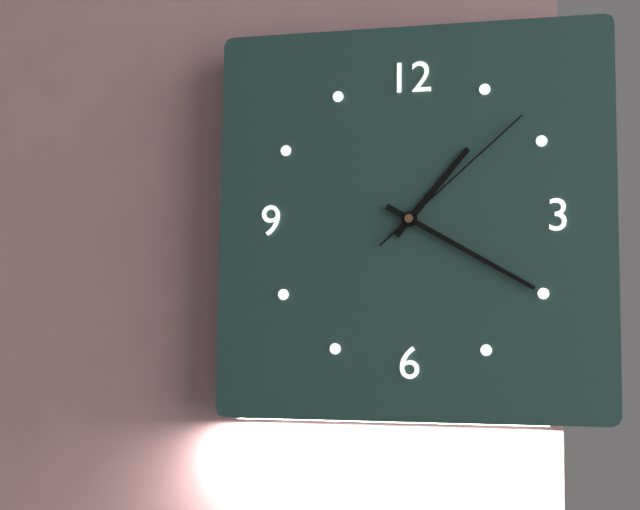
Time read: 1:20:08
